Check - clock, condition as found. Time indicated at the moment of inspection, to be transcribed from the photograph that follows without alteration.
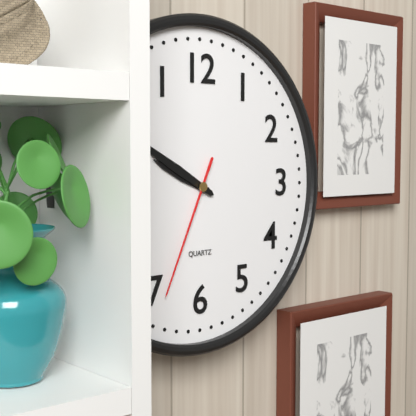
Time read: 9:50:34
